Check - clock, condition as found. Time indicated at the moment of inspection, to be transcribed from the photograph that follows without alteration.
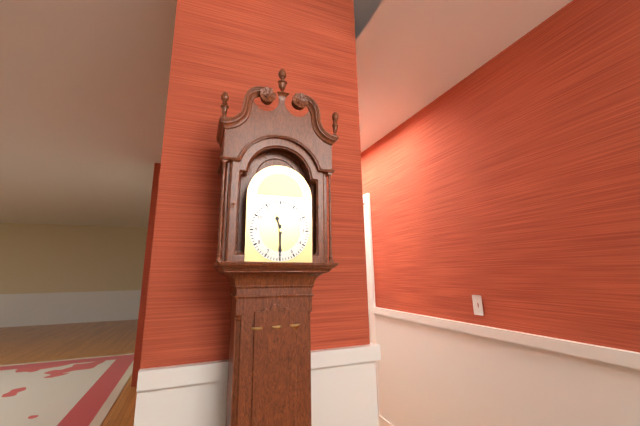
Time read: 11:30
